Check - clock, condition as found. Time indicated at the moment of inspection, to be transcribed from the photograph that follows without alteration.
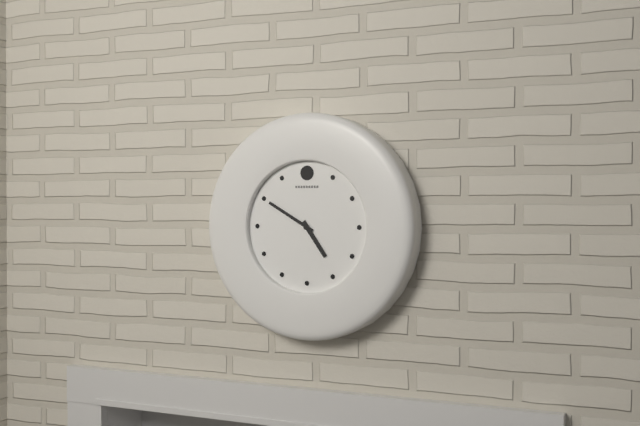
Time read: 4:50
